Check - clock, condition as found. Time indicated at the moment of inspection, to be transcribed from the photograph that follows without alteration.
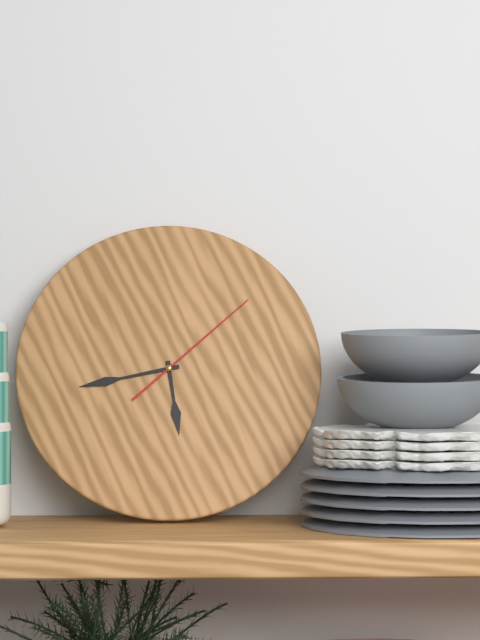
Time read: 5:43:08
